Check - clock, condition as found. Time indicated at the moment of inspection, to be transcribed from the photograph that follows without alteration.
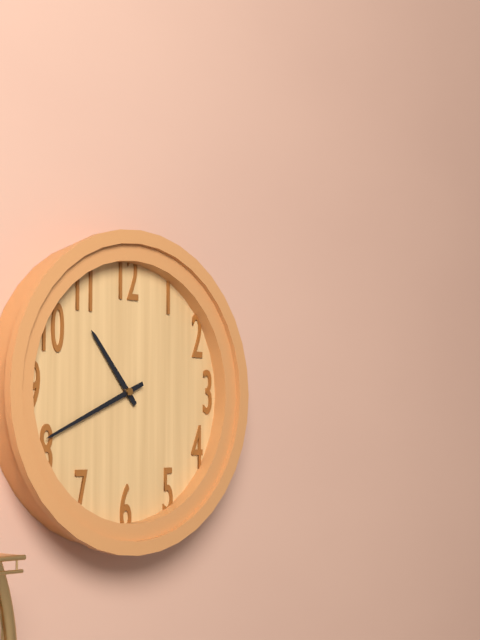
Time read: 10:41
